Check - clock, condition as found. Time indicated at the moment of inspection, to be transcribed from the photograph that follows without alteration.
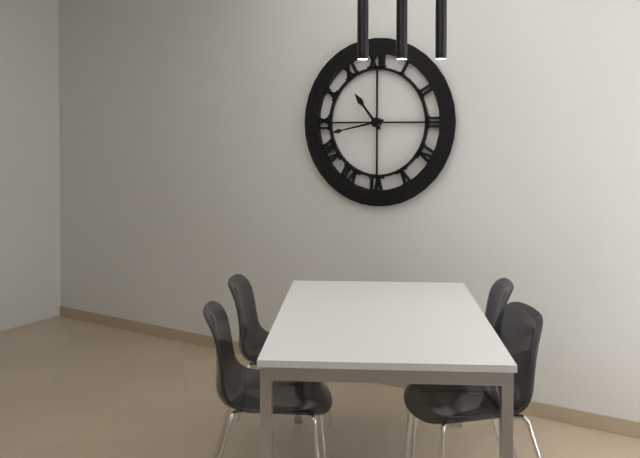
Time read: 10:43
